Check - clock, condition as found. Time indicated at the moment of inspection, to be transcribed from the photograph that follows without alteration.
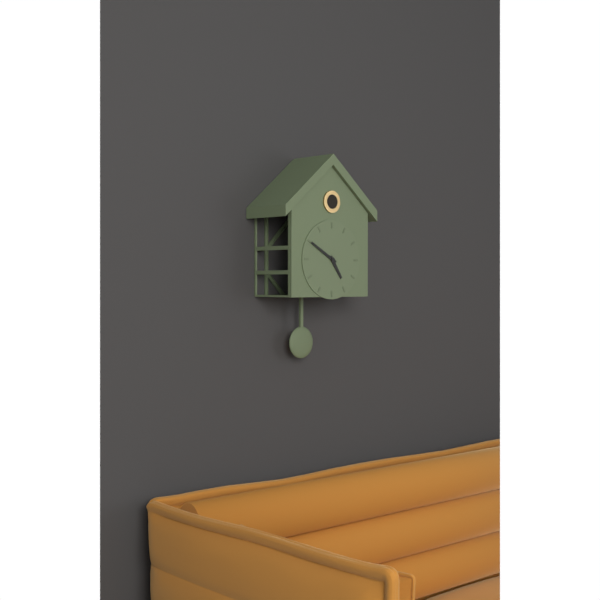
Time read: 4:50
